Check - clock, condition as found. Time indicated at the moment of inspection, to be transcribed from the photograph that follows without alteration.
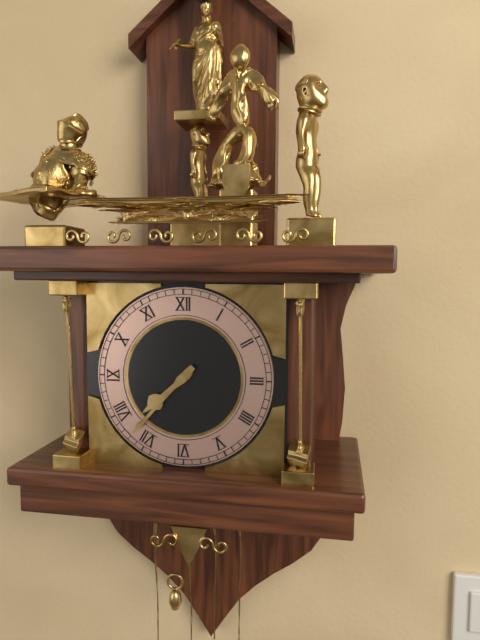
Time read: 7:37
